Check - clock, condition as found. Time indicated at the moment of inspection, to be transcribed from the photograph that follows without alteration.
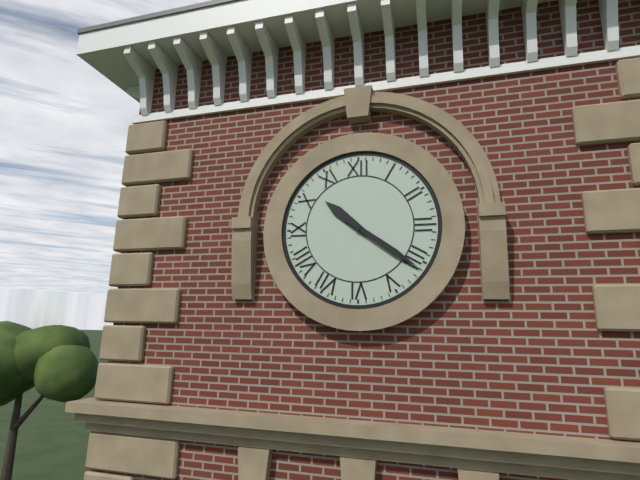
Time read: 10:21
